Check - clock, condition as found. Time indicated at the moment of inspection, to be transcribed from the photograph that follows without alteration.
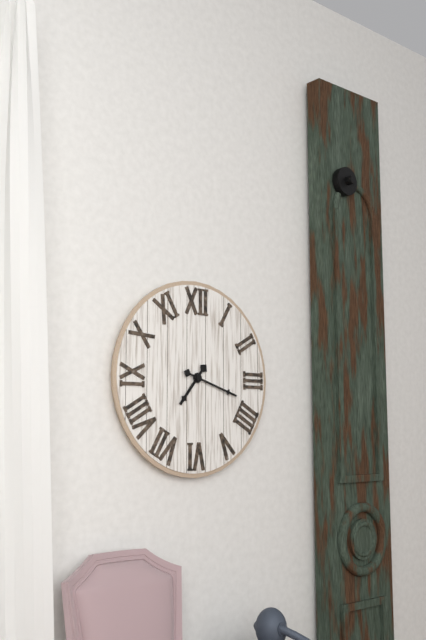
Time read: 7:18
